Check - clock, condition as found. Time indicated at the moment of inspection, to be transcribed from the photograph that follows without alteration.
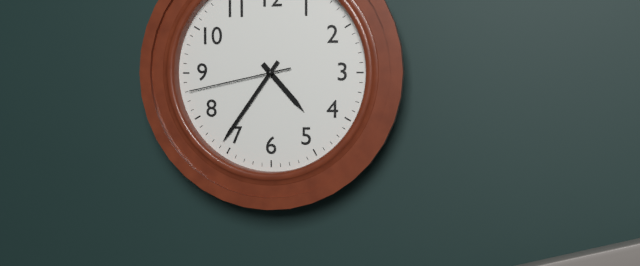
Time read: 4:36:43
